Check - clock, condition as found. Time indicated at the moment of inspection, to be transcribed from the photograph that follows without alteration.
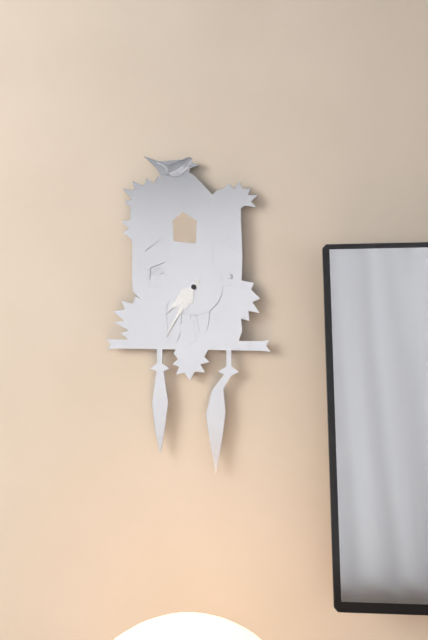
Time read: 7:35
